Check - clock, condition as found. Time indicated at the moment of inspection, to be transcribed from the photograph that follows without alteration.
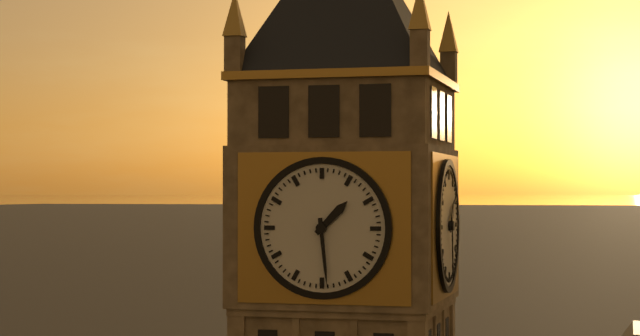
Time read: 1:29
